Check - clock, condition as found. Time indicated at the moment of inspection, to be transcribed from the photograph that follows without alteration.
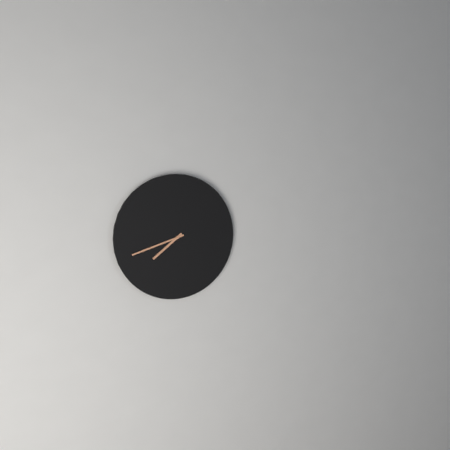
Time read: 7:42
